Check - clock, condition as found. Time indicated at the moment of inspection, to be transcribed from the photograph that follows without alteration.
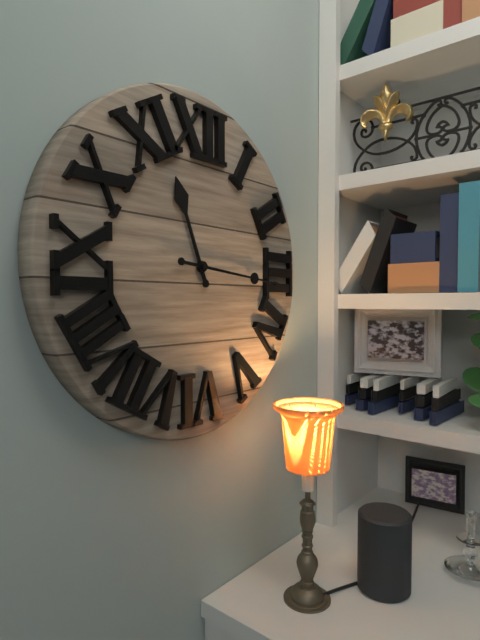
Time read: 11:16
